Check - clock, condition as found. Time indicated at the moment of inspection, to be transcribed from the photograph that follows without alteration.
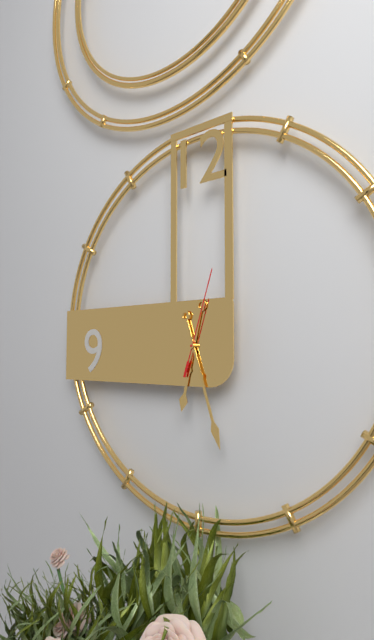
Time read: 6:27:03
